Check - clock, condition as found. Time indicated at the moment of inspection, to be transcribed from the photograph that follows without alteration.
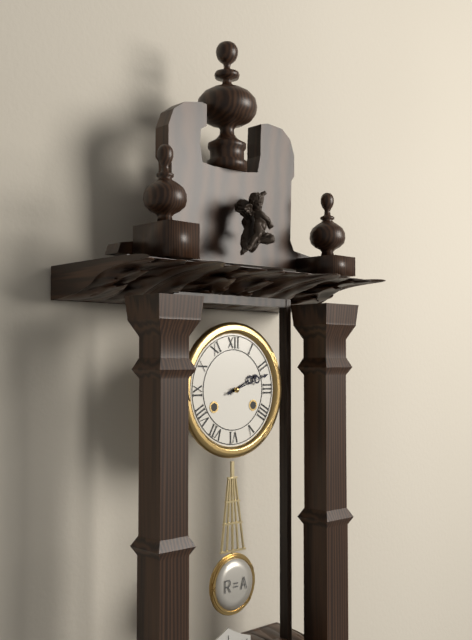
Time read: 2:12
